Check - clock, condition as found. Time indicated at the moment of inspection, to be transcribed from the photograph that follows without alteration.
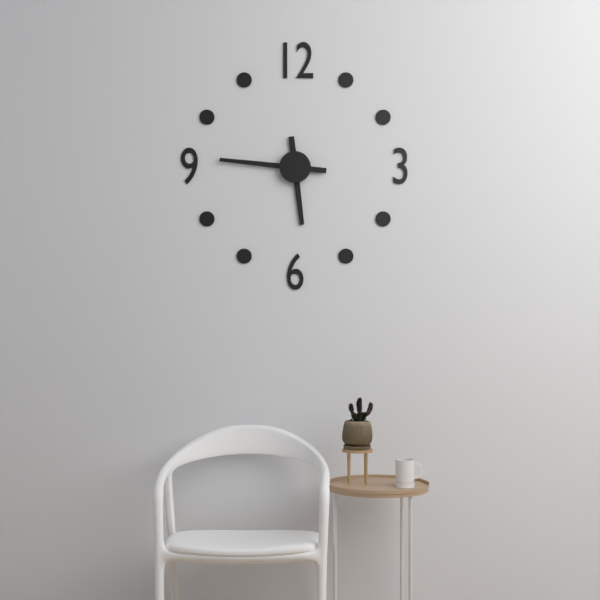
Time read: 5:46
